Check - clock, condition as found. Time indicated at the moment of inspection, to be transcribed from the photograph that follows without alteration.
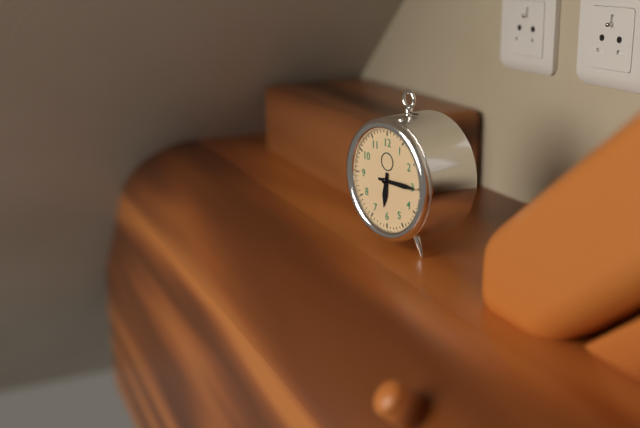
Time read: 6:15
